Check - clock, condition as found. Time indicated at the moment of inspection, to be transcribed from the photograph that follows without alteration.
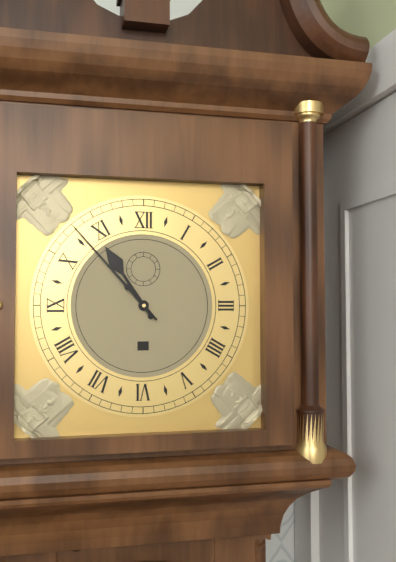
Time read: 10:53
